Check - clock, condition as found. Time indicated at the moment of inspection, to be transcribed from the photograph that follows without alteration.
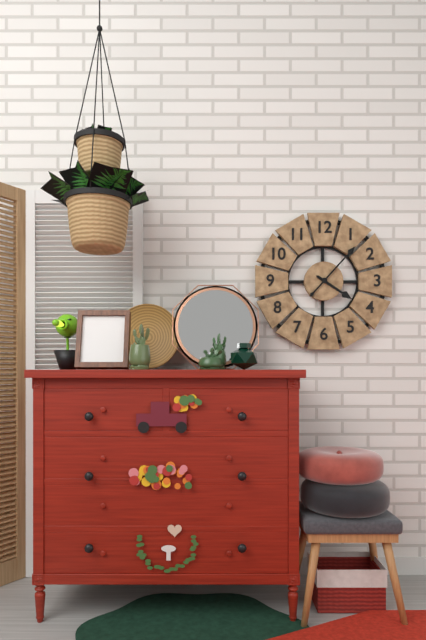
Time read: 4:07
